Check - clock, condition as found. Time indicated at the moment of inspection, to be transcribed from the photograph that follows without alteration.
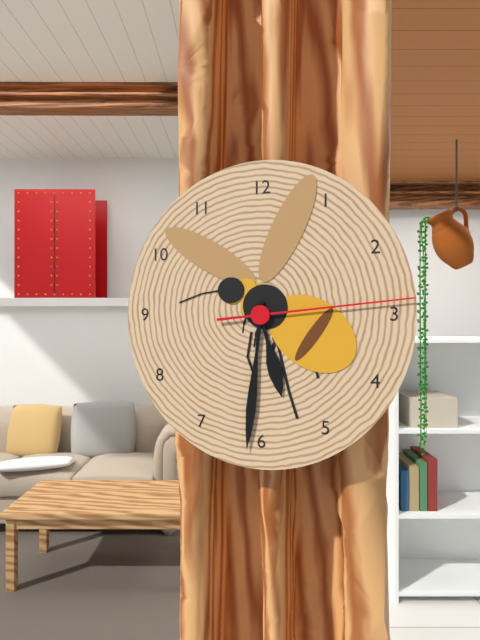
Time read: 5:31:14
